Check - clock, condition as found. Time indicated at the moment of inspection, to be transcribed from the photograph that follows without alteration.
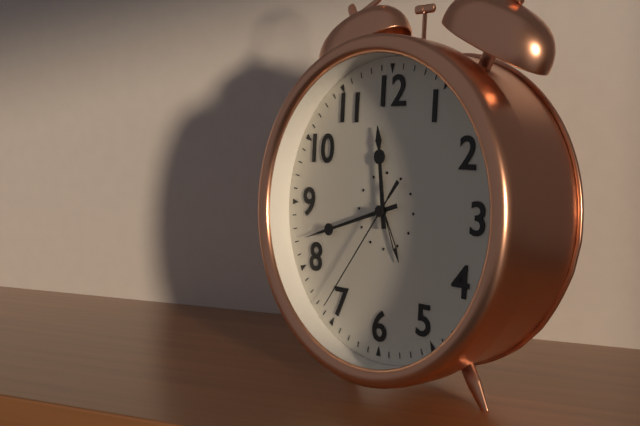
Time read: 11:42:36
